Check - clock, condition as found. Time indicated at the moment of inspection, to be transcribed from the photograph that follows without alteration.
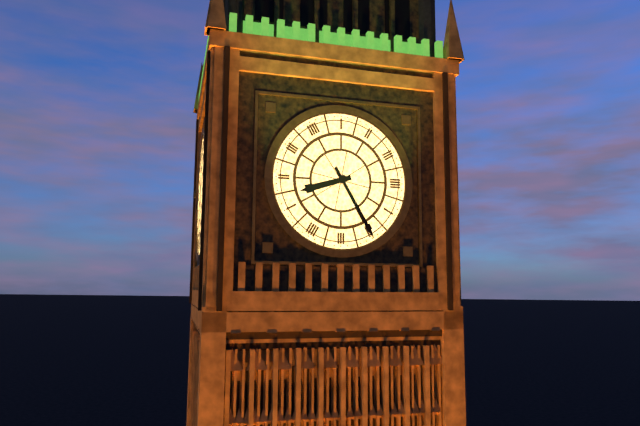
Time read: 8:25
